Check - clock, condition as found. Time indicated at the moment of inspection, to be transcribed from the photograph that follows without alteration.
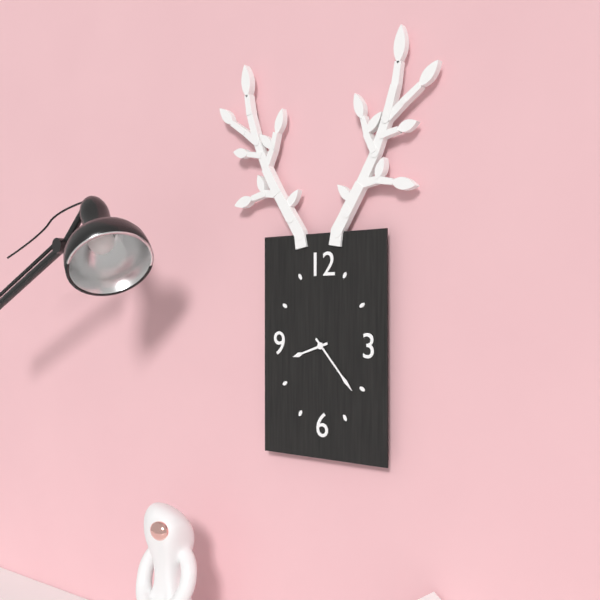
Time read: 8:23
